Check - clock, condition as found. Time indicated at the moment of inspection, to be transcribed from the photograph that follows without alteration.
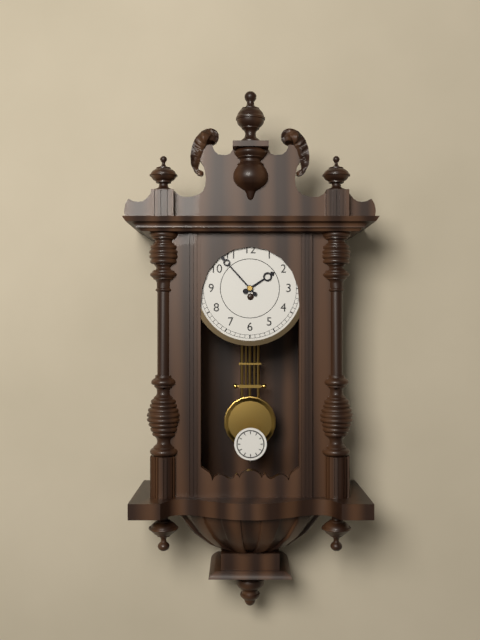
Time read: 1:53
